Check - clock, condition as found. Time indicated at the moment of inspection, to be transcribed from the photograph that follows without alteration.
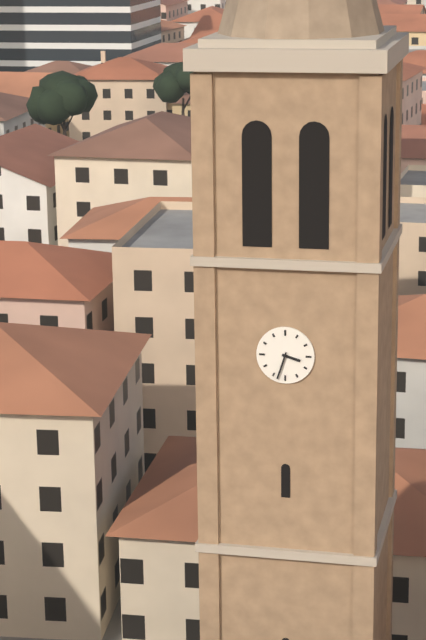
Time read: 3:33
